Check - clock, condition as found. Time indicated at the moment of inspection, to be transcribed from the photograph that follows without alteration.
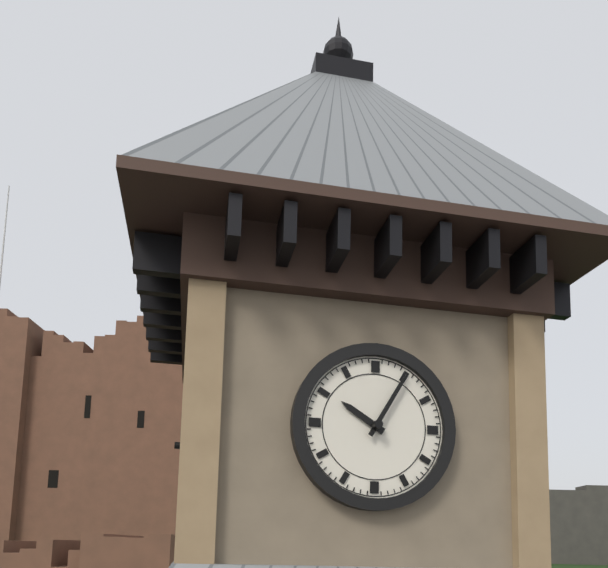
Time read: 10:05
